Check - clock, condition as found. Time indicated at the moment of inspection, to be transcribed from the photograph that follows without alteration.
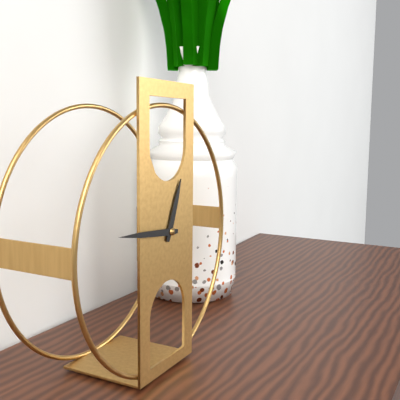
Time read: 12:46
